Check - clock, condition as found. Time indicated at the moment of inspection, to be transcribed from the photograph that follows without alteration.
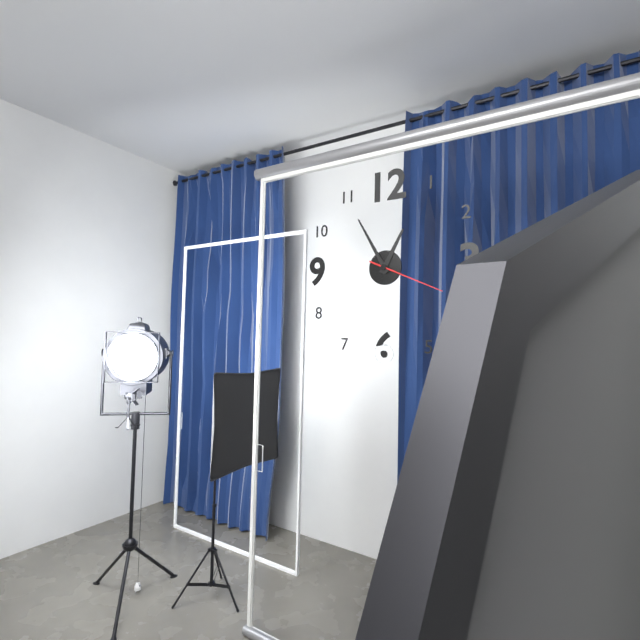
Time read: 12:55:19
